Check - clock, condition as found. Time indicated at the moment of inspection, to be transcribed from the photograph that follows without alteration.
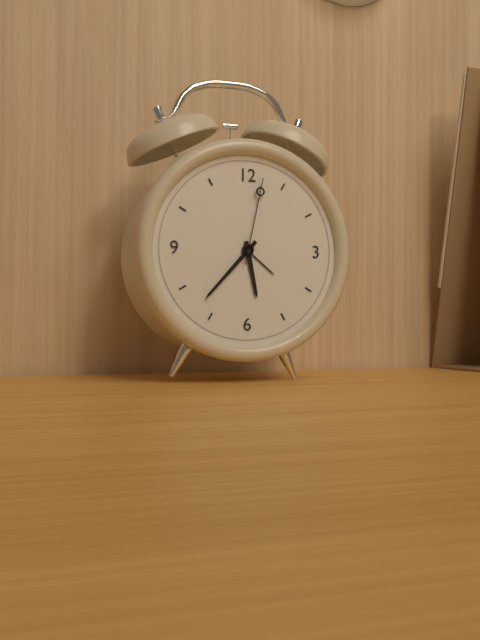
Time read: 5:37:02
